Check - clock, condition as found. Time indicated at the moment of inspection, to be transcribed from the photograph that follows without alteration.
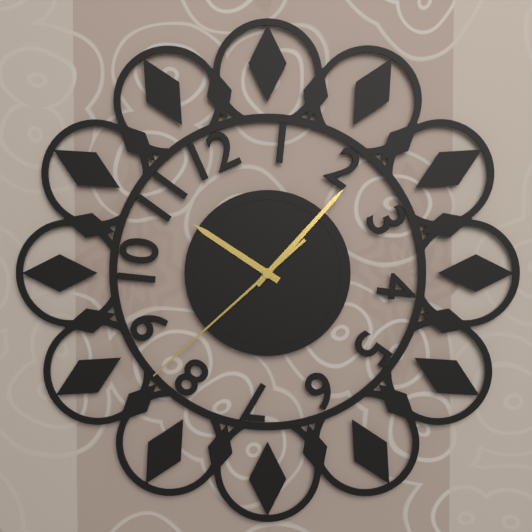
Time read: 10:07:38
